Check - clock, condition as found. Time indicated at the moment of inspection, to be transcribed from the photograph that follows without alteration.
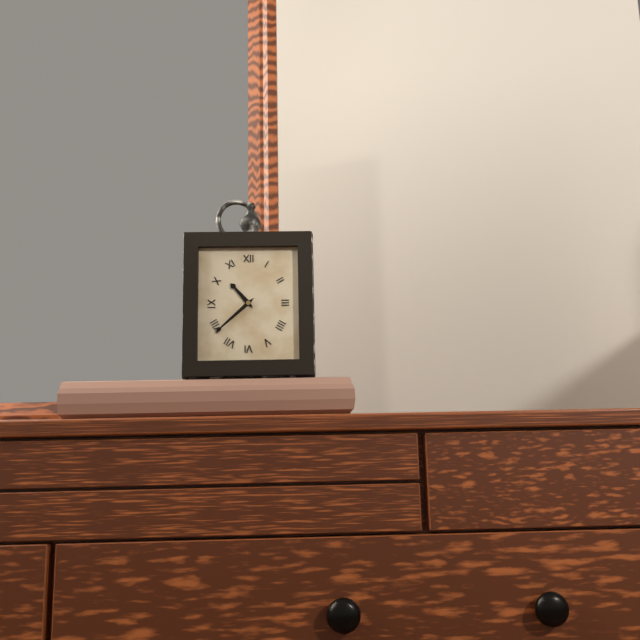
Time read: 10:38
